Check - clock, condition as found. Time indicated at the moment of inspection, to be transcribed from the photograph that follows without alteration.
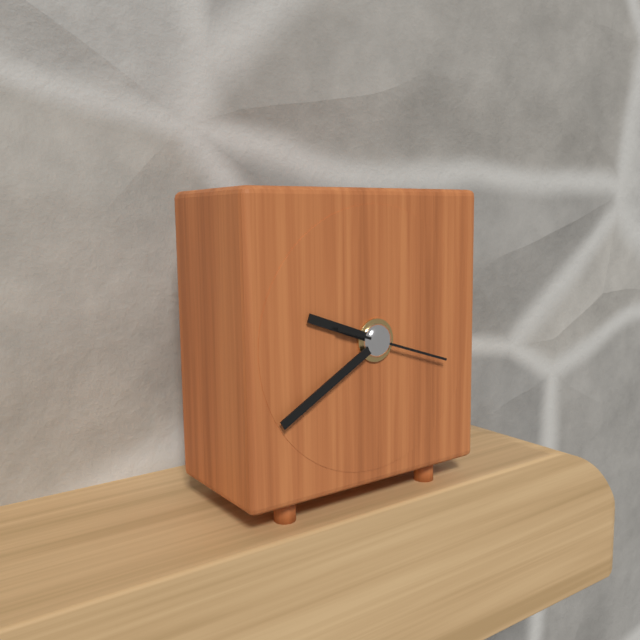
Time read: 9:40:18
